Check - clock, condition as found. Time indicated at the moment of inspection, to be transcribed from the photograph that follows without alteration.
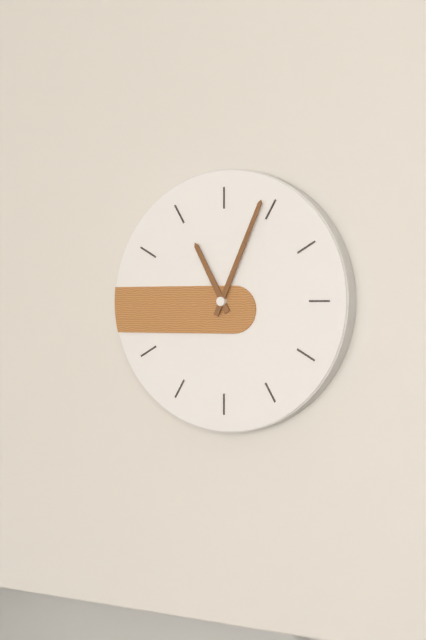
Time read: 11:04
